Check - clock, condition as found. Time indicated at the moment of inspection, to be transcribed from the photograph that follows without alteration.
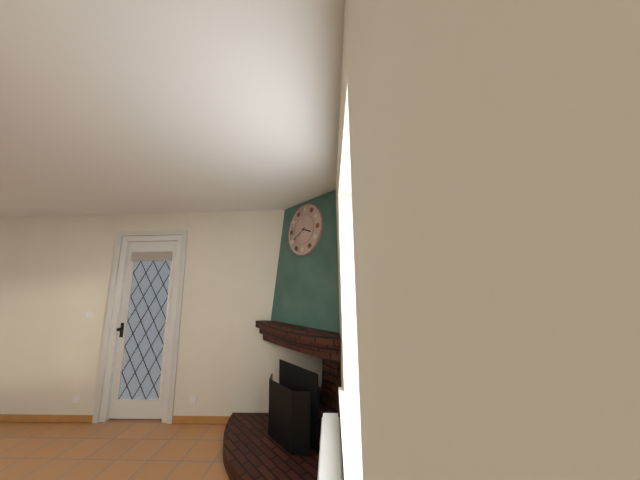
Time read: 3:40
